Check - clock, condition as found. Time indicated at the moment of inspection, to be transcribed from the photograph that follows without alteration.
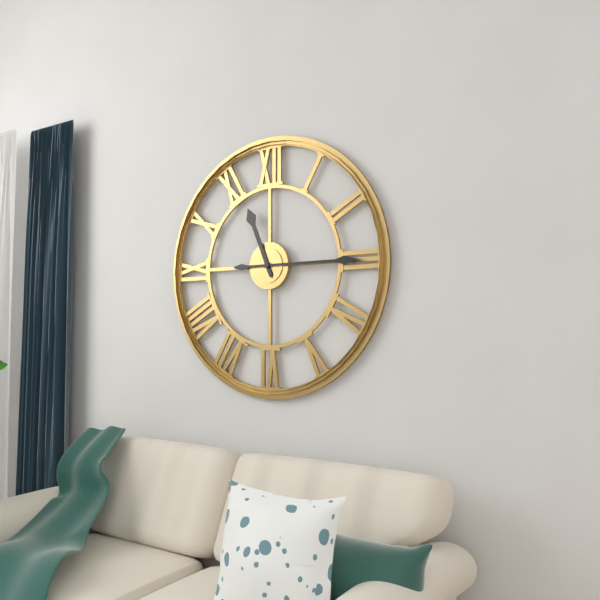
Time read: 11:15
